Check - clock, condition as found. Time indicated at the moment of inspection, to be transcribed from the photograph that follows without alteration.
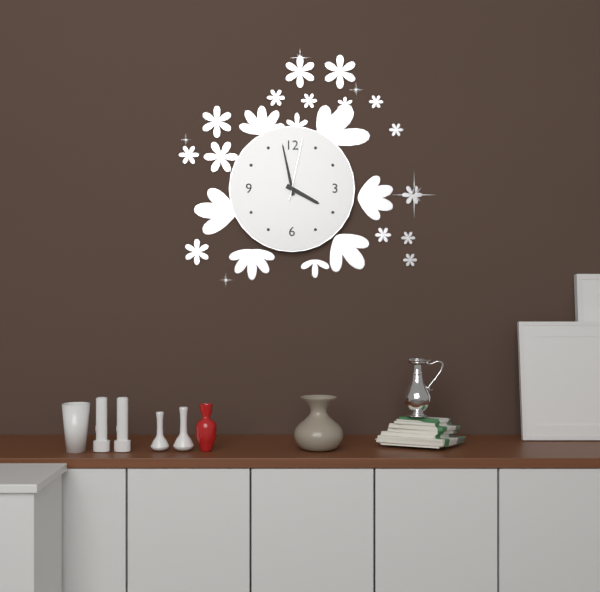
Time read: 3:58:02
